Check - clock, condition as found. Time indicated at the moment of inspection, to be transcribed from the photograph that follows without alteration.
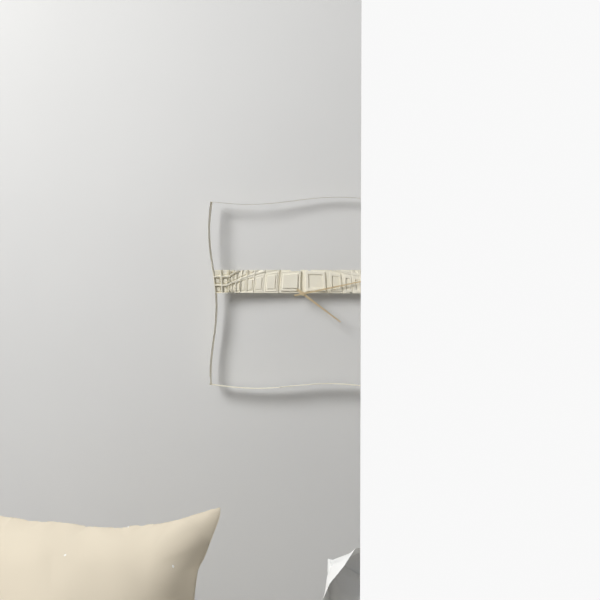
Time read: 4:13
